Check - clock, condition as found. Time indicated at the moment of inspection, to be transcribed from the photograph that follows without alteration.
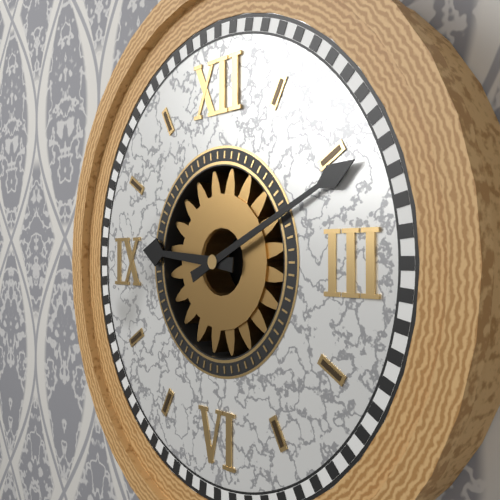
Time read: 9:11
